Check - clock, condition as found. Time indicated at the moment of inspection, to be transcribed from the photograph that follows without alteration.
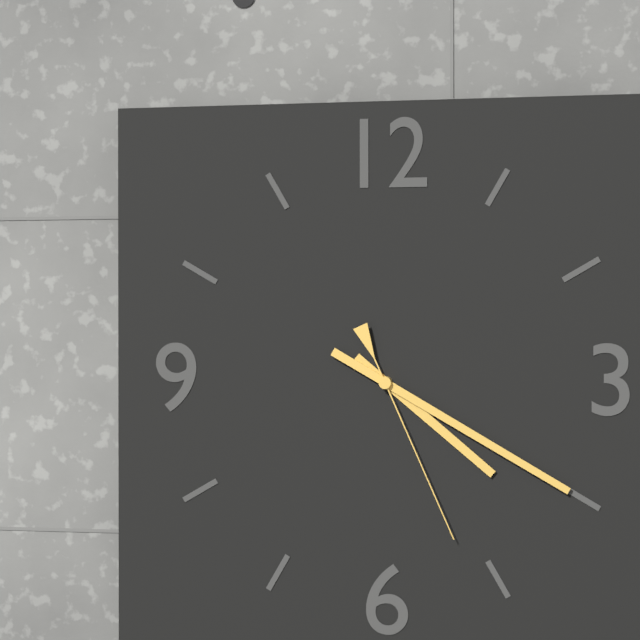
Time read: 4:20:26
